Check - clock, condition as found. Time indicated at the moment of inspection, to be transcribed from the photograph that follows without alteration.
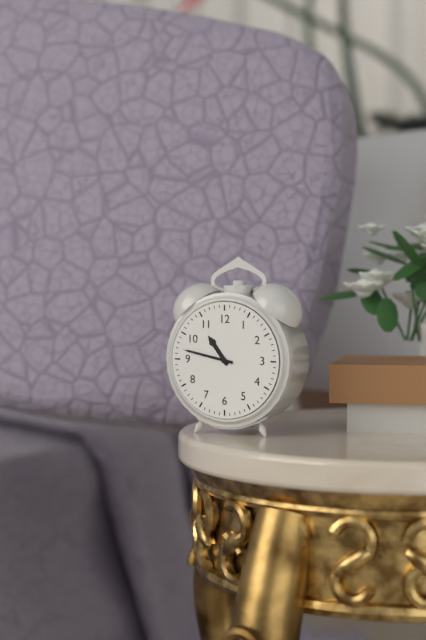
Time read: 10:47
